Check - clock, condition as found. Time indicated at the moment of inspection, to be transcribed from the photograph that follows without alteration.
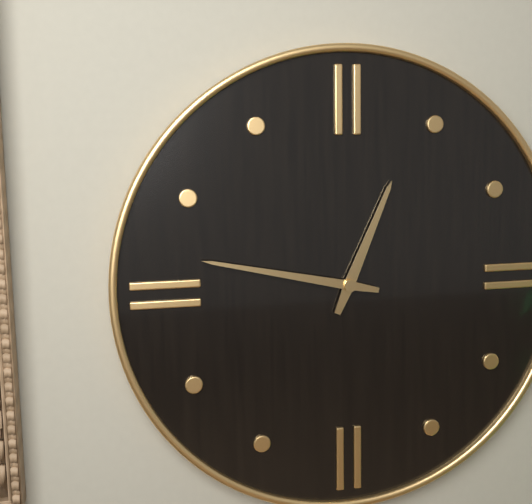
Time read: 12:47
